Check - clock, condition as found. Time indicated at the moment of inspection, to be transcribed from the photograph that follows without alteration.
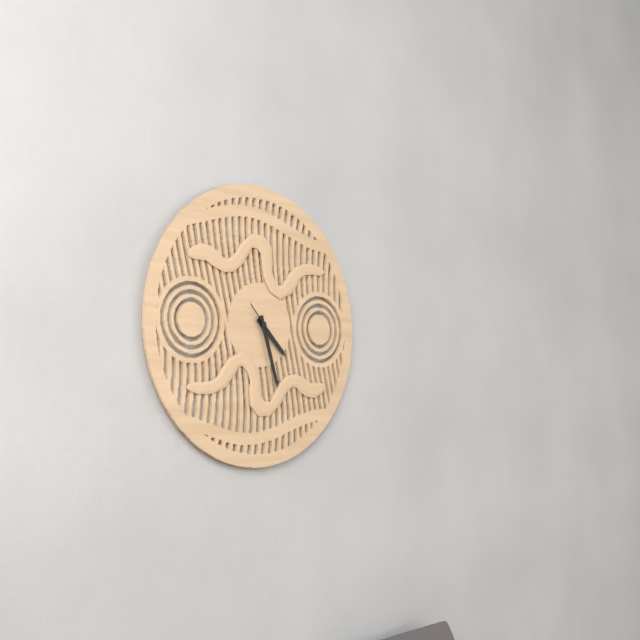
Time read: 4:27
